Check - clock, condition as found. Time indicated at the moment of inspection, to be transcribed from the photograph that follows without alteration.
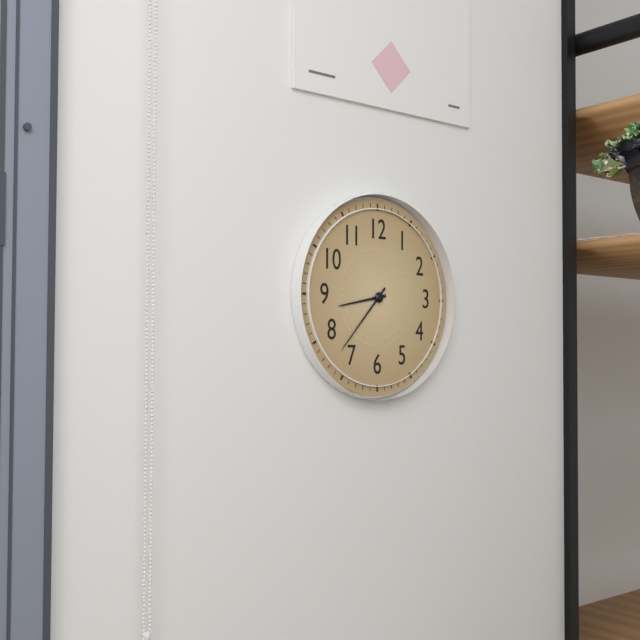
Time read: 8:37
